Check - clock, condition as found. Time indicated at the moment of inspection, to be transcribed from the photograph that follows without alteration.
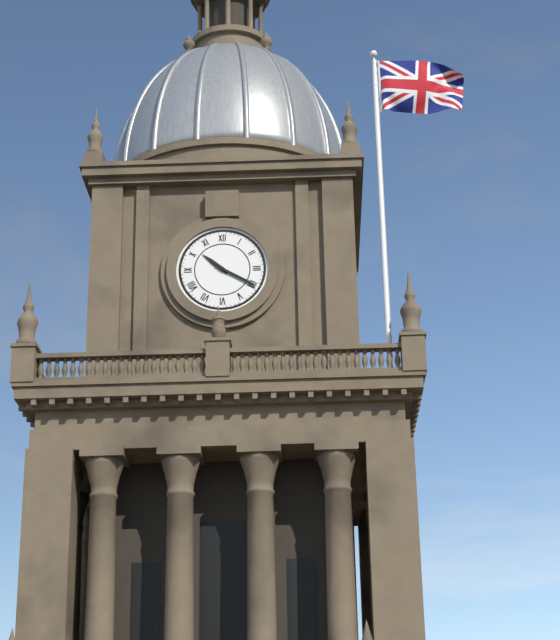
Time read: 10:20
